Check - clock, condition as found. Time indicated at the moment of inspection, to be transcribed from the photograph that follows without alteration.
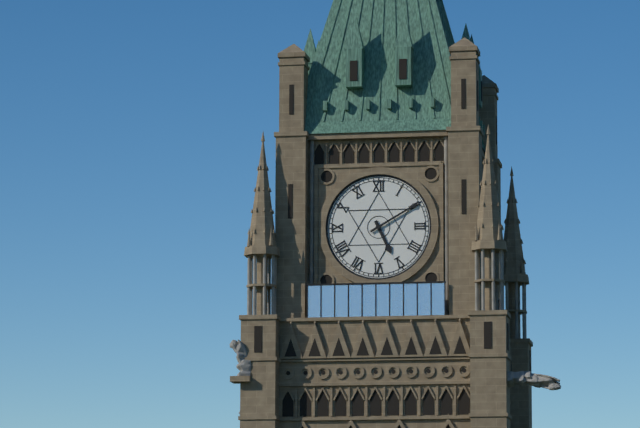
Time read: 5:10
